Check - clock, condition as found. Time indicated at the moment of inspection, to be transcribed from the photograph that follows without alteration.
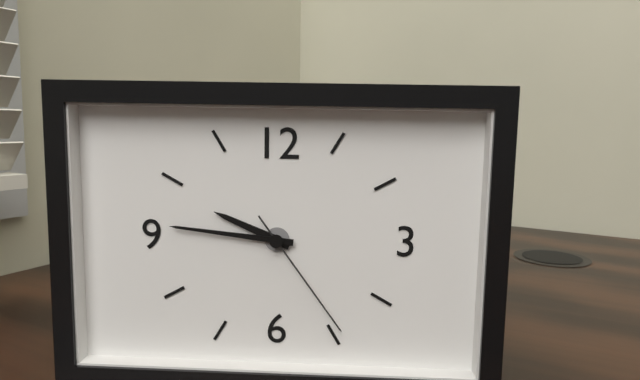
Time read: 9:46:24
